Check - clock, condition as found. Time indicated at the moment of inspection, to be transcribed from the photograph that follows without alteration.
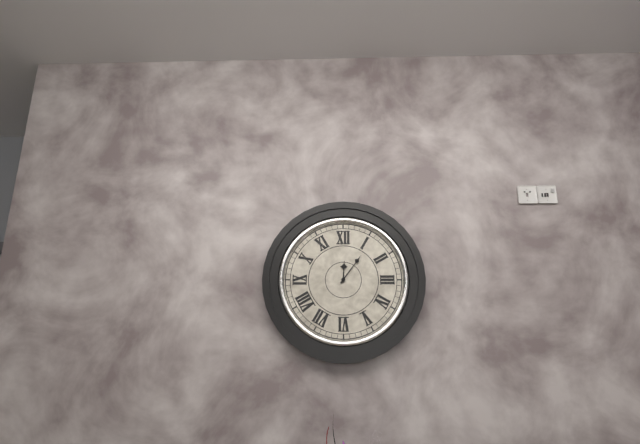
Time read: 12:06
